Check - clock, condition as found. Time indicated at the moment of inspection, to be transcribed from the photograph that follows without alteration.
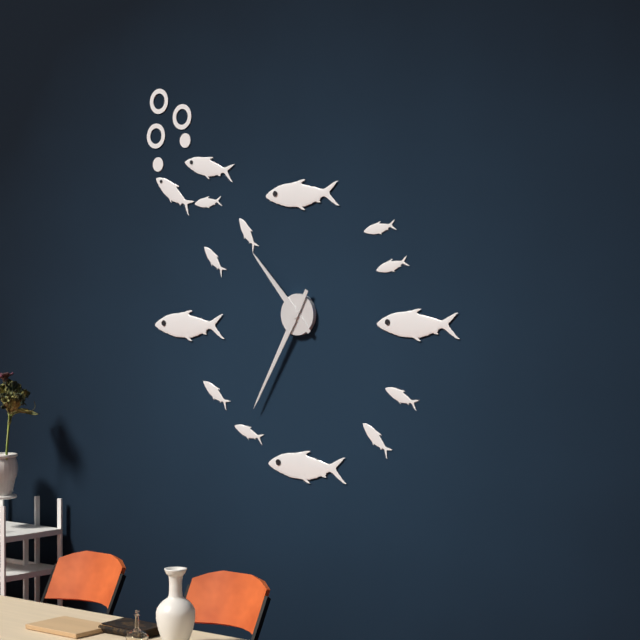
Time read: 10:35
